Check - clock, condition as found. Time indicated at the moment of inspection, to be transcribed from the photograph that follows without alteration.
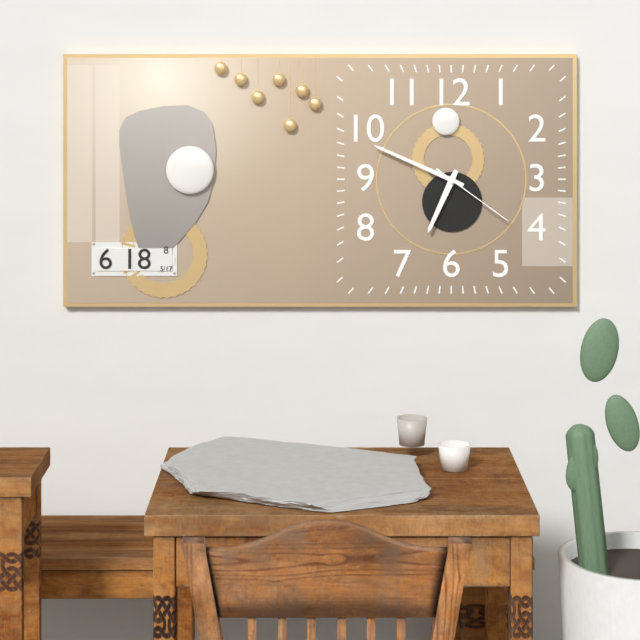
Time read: 6:49:21
